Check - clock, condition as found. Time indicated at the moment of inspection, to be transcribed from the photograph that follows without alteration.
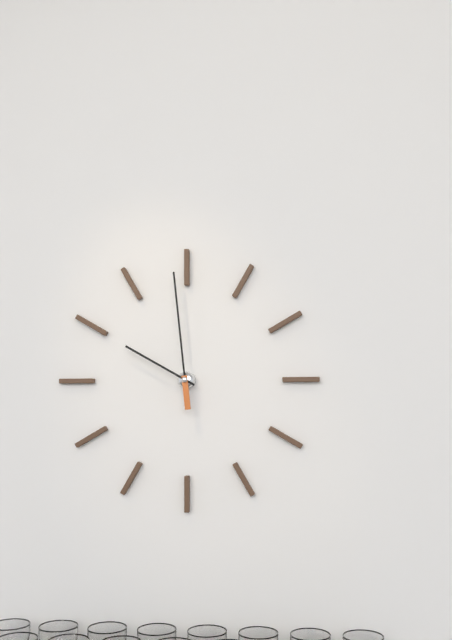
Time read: 9:59
